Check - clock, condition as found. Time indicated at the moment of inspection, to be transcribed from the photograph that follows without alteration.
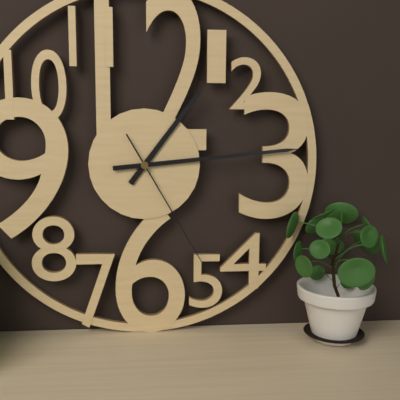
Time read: 1:14:25
